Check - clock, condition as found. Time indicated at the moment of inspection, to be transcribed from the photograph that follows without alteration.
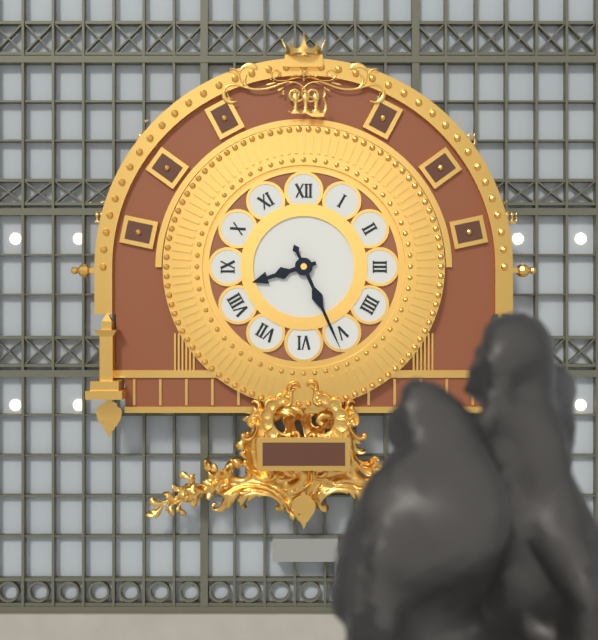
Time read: 8:26
